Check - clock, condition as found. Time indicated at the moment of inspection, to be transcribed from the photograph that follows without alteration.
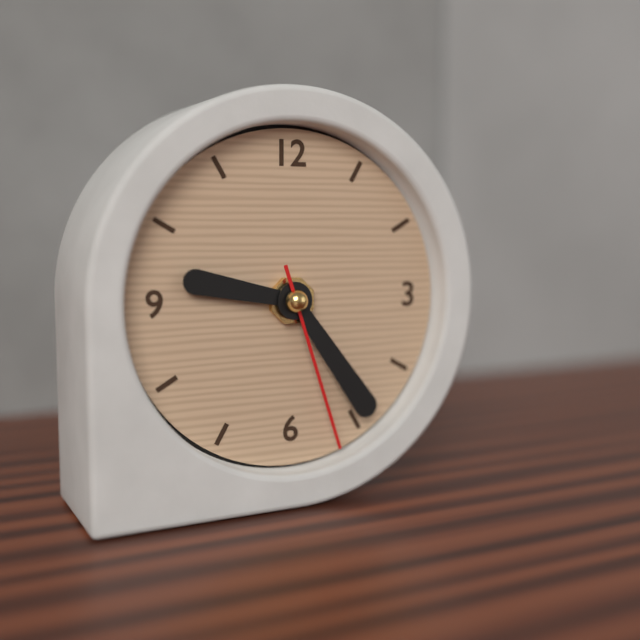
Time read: 9:24:27
